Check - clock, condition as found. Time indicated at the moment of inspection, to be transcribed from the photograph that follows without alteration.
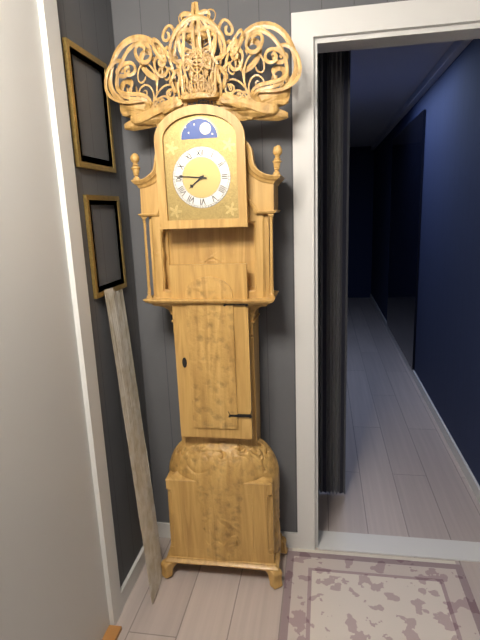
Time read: 7:46
